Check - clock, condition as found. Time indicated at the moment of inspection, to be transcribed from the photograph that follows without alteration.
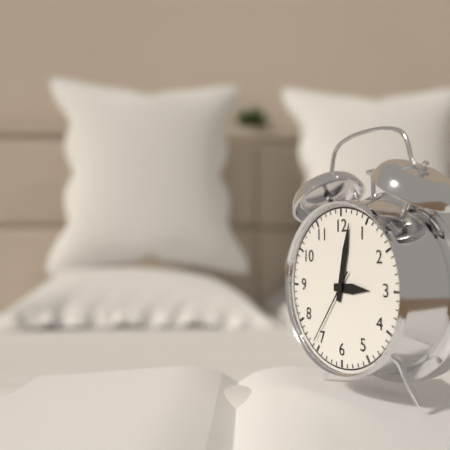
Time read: 3:02:36
